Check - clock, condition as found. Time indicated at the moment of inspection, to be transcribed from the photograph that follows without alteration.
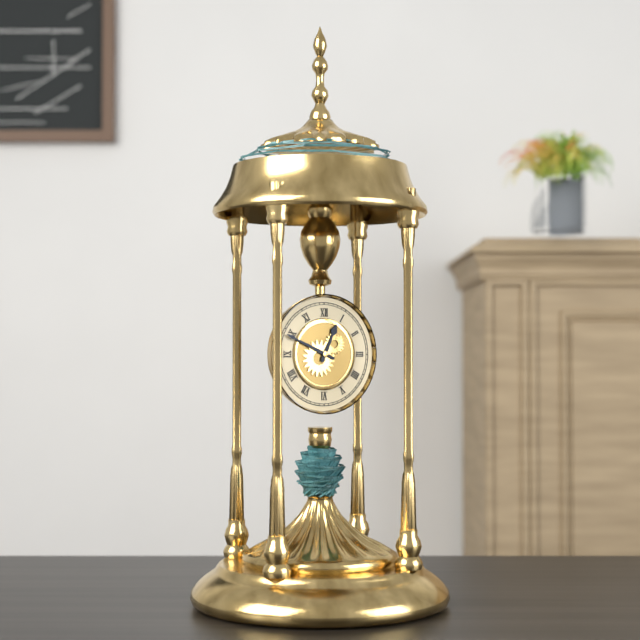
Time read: 12:49
